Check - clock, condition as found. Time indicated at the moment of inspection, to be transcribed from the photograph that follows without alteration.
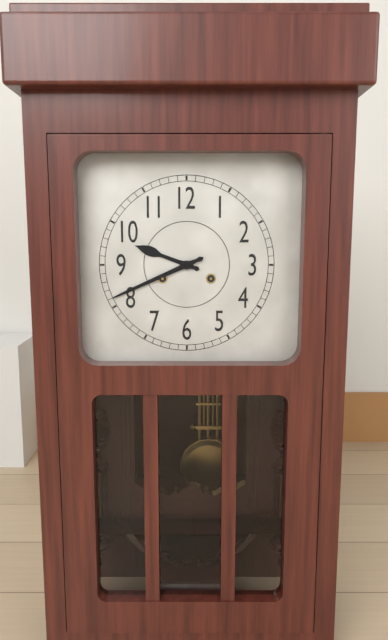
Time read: 9:41
